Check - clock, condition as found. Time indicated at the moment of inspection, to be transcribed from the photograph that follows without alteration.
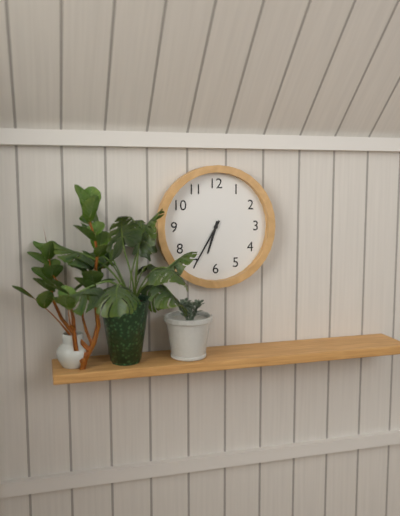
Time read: 6:35
